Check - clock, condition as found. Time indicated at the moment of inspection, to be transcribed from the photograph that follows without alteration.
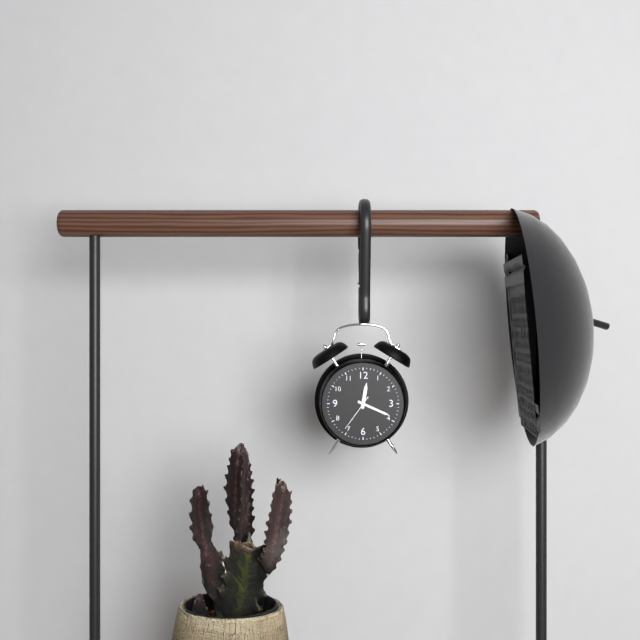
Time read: 12:19
